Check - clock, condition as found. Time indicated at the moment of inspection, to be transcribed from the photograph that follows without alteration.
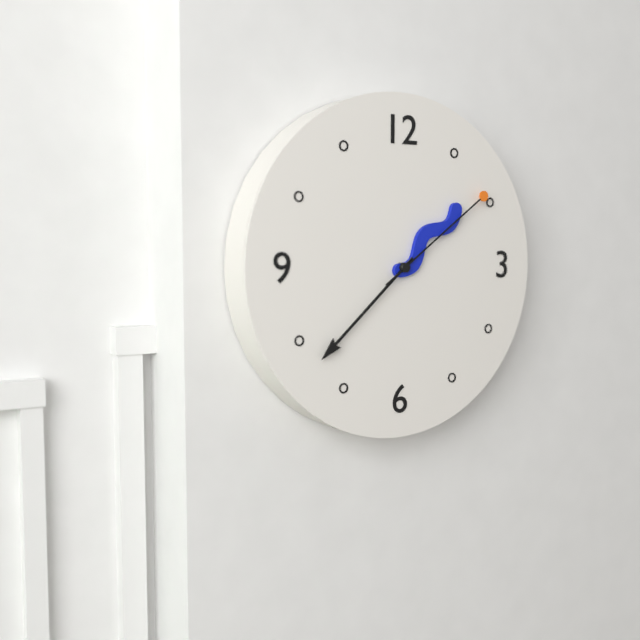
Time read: 1:38:09
